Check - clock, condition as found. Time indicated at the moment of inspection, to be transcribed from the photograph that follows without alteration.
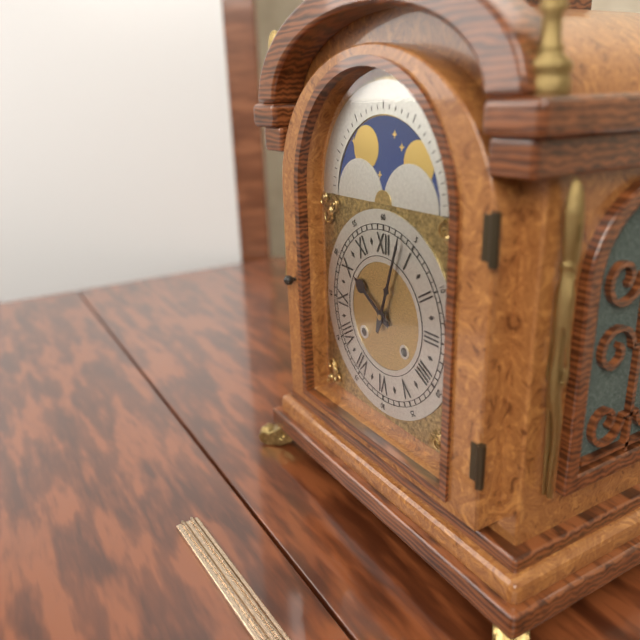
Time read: 10:03
